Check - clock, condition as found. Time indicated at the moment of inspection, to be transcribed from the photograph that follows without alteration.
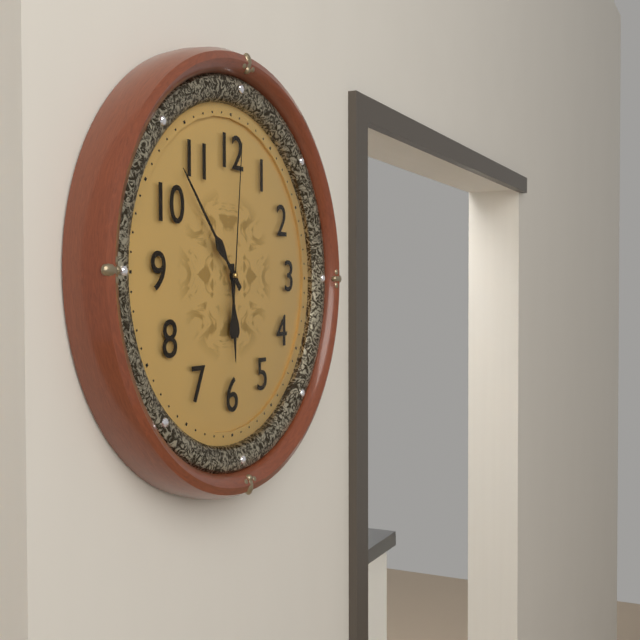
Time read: 5:53:01
